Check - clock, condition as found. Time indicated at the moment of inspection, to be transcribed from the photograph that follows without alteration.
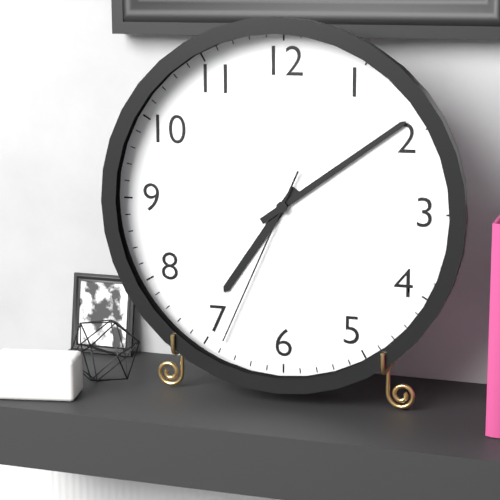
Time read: 7:09:34
